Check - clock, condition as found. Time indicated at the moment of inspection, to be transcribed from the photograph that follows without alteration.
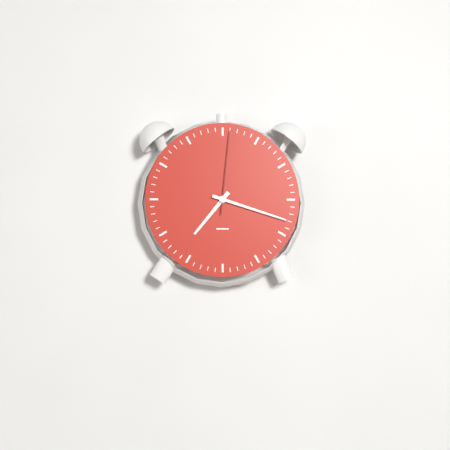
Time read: 7:18:01
